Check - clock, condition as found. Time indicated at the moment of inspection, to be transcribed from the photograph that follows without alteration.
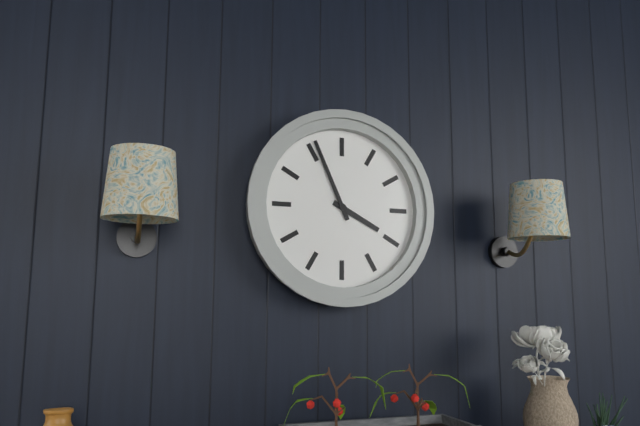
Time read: 3:56
